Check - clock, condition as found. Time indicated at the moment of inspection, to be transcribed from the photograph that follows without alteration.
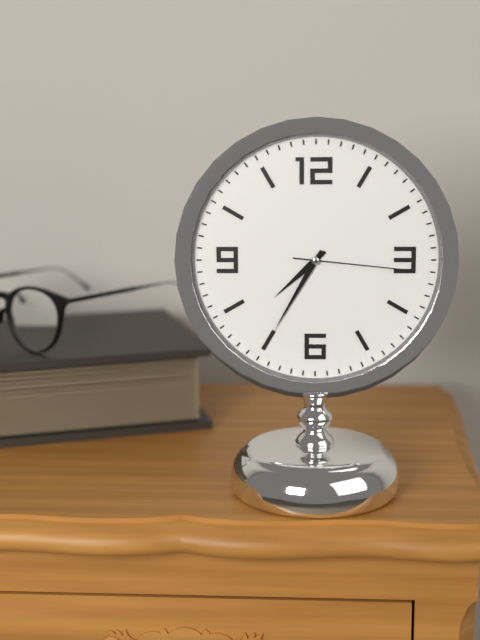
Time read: 7:35:16
